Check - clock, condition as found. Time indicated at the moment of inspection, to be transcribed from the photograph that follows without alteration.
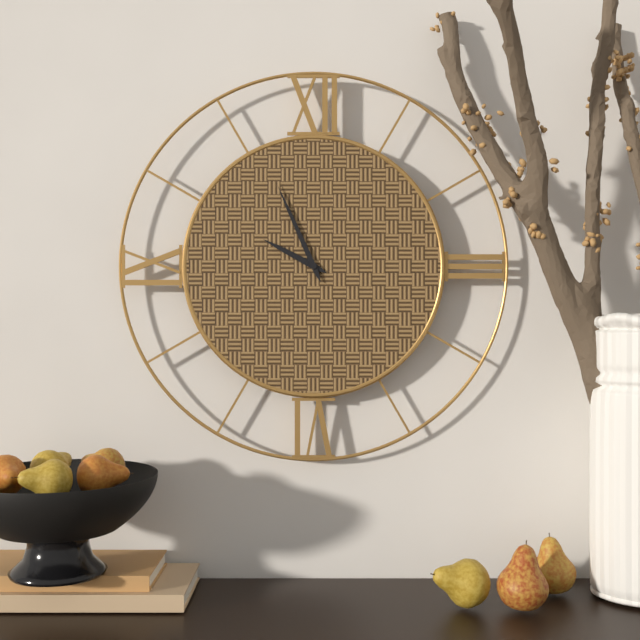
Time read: 9:56
